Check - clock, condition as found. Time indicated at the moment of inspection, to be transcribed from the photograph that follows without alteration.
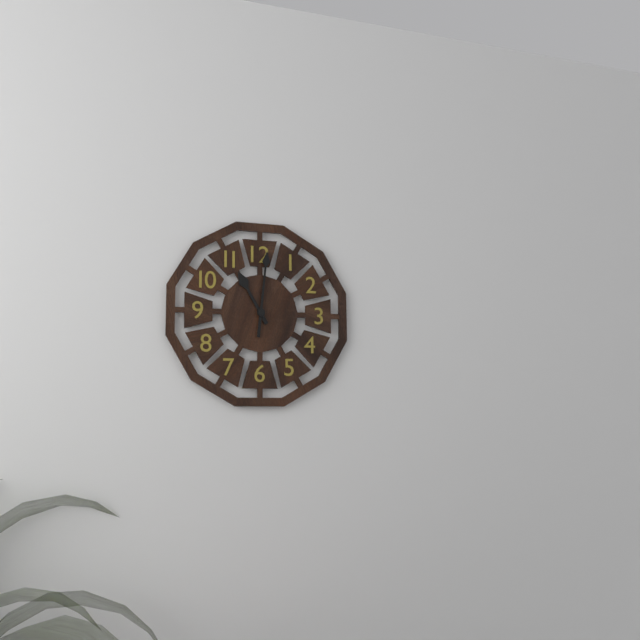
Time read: 11:01
